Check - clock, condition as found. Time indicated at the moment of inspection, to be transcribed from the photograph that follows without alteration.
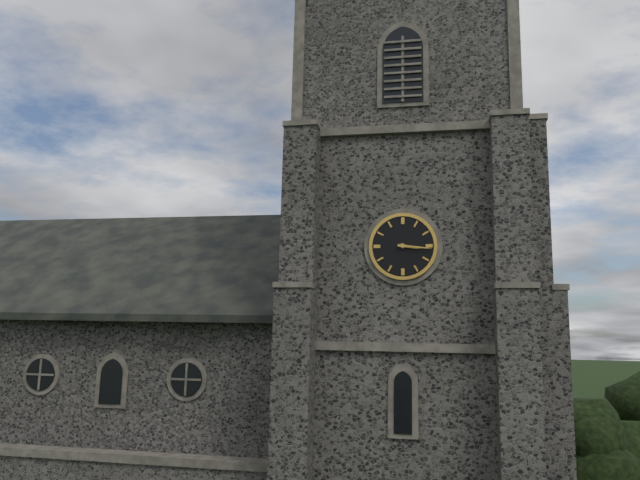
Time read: 3:16
